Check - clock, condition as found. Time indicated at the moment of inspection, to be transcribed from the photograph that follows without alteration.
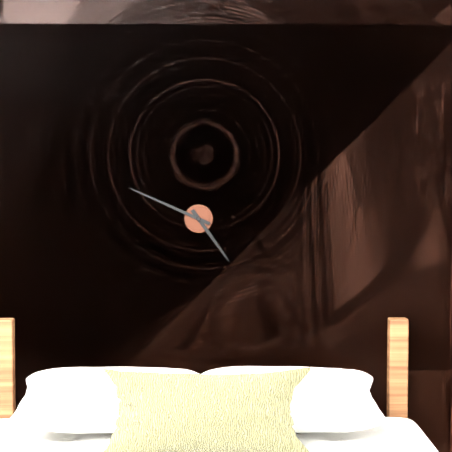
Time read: 4:49
